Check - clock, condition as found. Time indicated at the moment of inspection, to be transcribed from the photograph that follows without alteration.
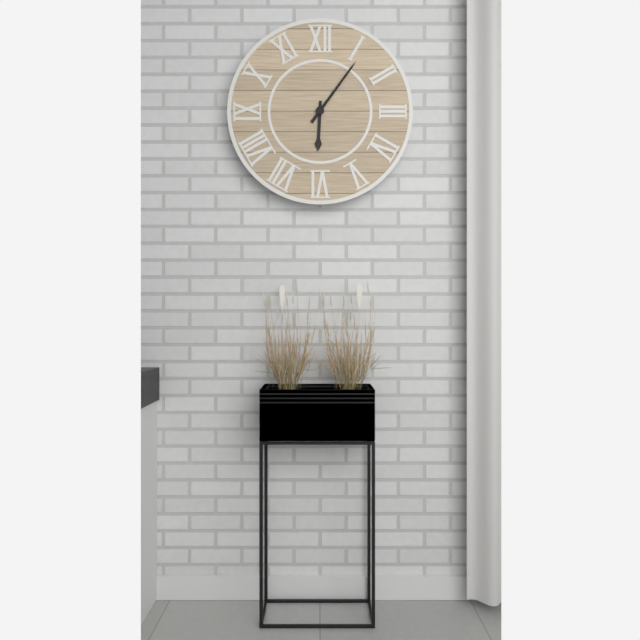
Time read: 6:06
